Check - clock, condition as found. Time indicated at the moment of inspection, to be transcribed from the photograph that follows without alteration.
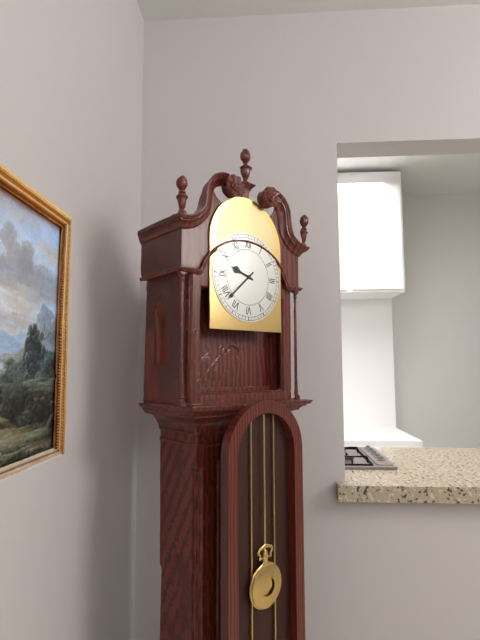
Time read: 9:38
